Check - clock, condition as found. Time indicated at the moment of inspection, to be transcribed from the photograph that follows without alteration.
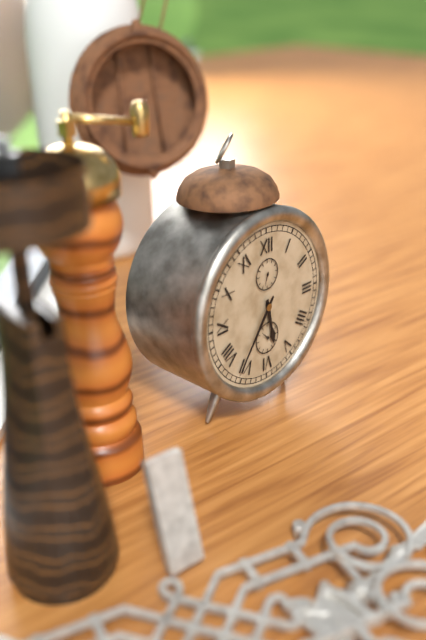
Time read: 5:36
